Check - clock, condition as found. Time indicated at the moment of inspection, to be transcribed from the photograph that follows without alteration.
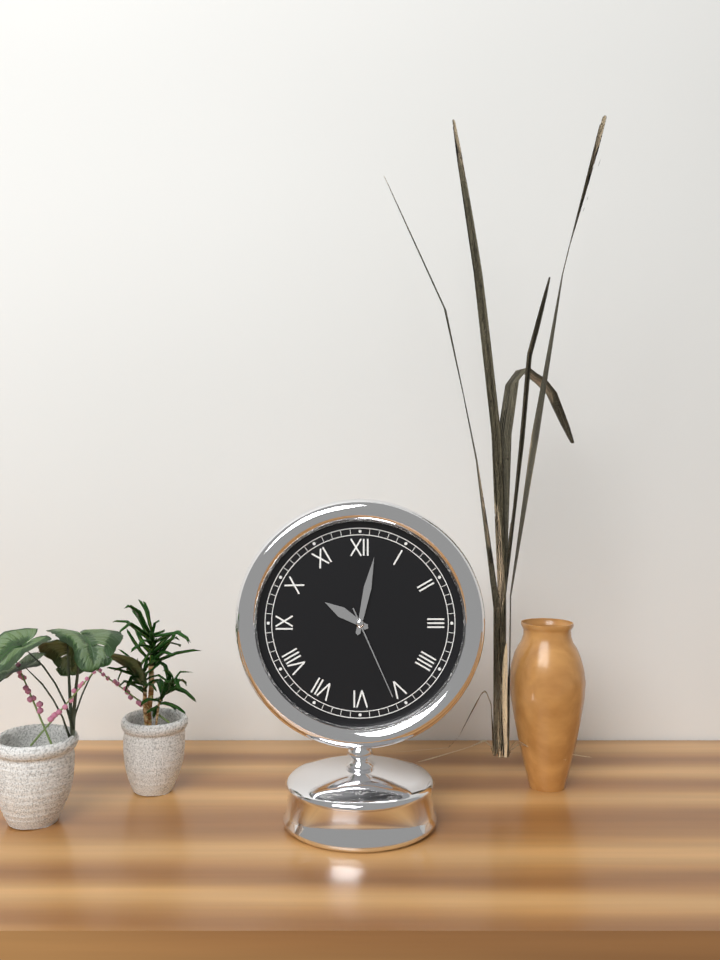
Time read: 10:02:26
